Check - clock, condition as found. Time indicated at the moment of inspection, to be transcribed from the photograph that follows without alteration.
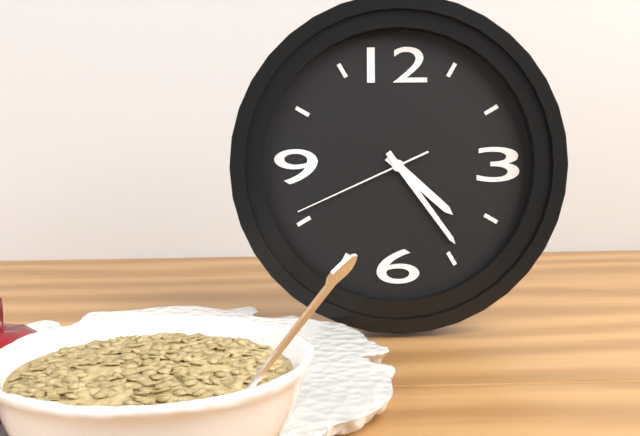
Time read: 4:24:41
